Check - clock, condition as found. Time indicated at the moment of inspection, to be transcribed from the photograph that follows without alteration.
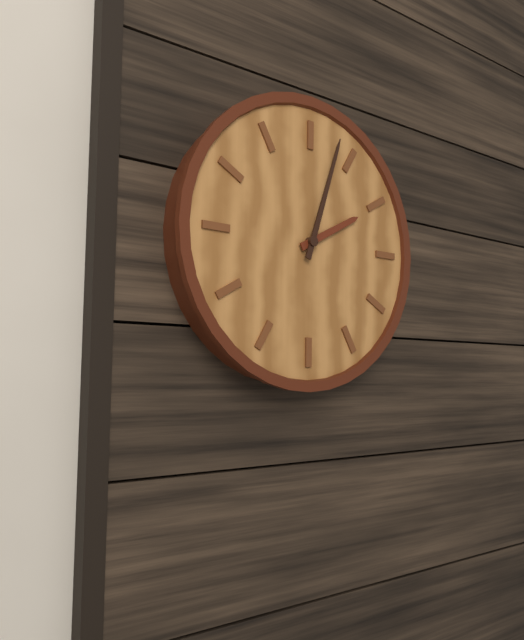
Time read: 2:03
